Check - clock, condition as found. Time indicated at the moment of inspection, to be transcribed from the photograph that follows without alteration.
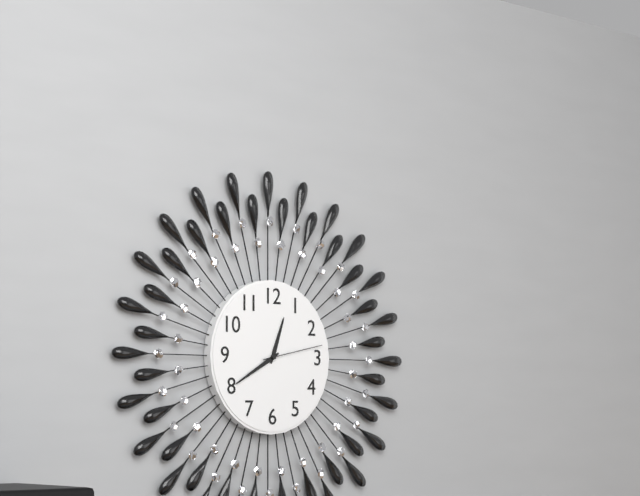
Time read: 12:40:13
